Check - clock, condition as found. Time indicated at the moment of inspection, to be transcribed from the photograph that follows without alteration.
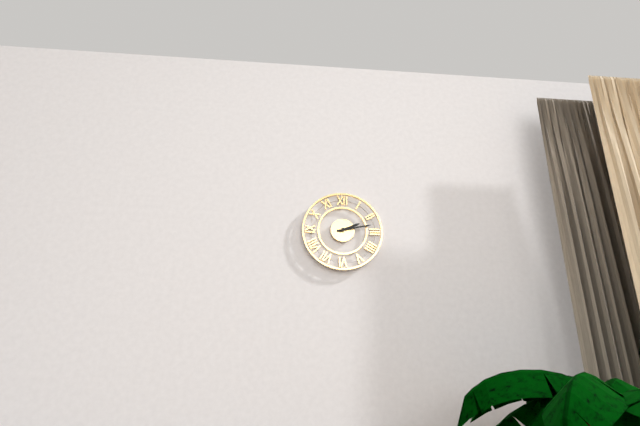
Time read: 2:13
